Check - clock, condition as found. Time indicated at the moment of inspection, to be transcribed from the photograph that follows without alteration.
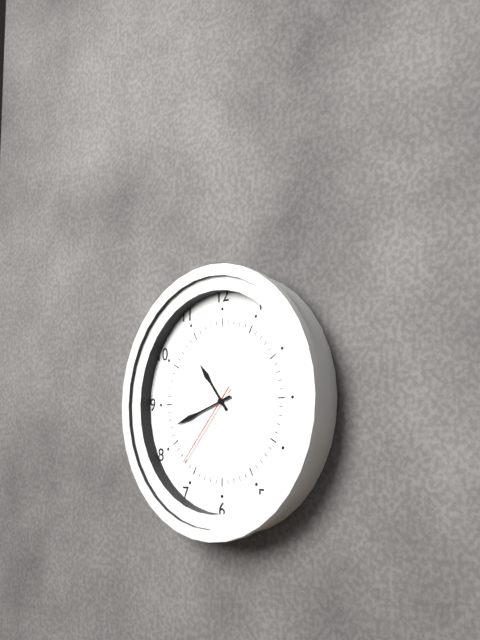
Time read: 10:42:37
